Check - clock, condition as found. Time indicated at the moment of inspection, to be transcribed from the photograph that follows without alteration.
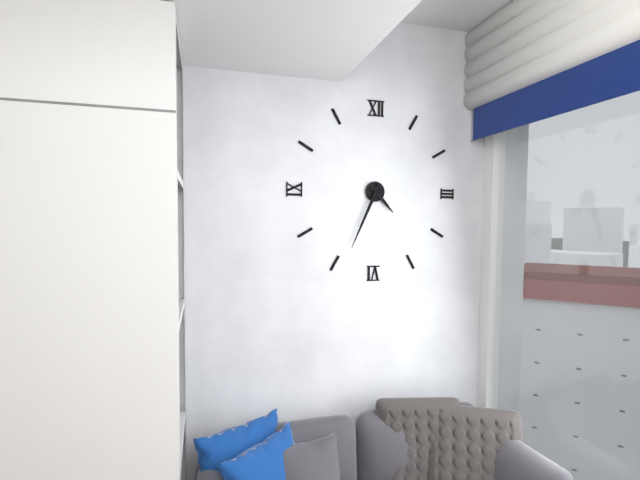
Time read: 4:34
